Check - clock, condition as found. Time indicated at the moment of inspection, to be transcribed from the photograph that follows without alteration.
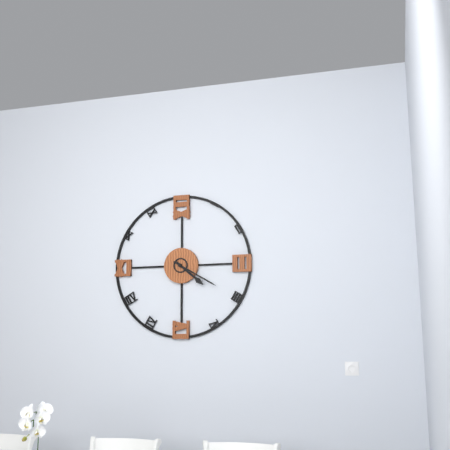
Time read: 4:20
